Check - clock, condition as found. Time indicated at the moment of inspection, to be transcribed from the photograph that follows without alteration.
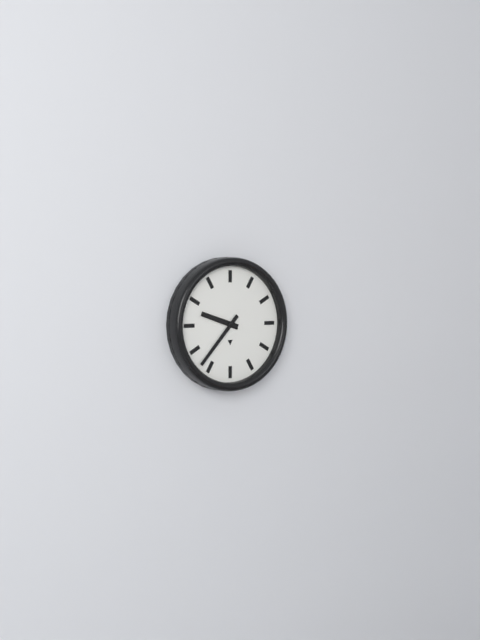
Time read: 9:37
